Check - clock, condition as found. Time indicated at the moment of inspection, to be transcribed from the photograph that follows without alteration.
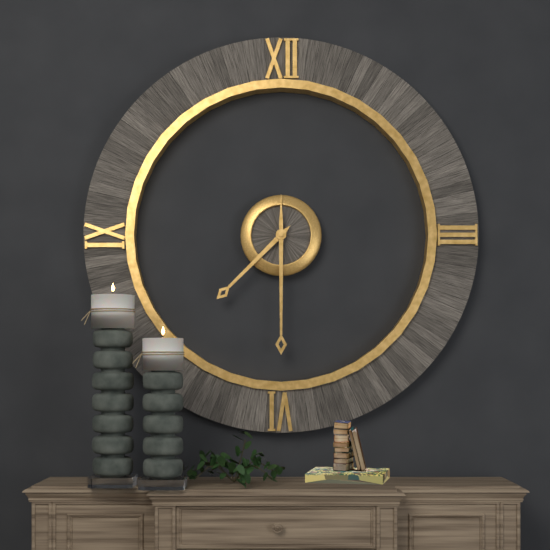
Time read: 7:30
